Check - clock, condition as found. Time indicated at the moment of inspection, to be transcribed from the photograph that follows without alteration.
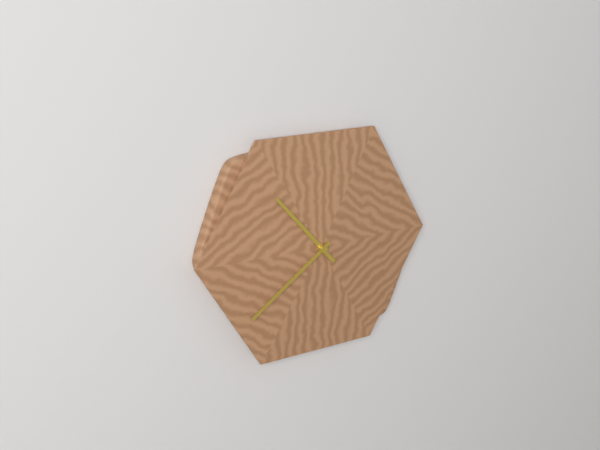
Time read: 10:39
